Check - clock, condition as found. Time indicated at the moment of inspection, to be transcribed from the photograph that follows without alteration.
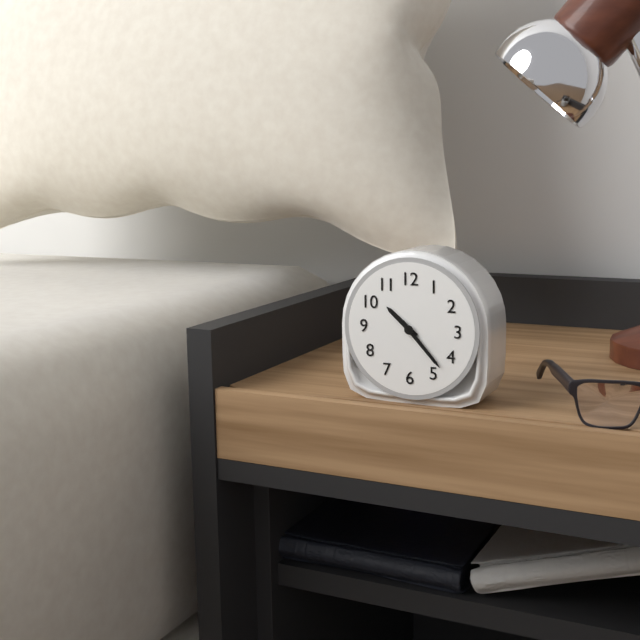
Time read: 10:23
